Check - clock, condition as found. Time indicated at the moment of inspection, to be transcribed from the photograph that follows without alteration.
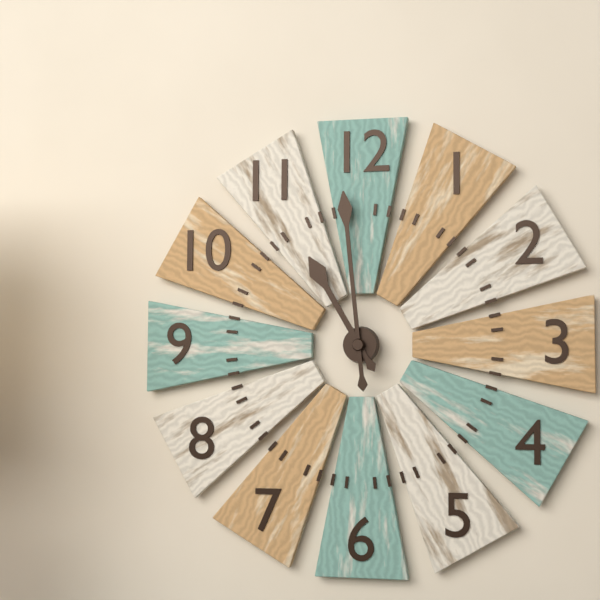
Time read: 10:59
